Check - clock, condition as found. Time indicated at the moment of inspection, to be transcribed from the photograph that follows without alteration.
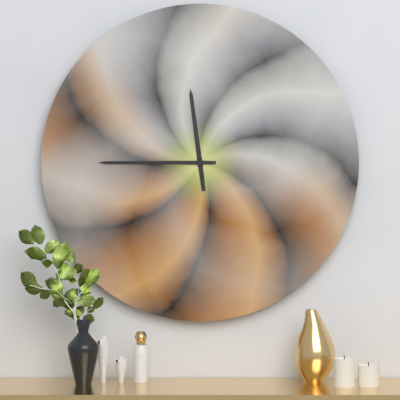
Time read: 11:45
